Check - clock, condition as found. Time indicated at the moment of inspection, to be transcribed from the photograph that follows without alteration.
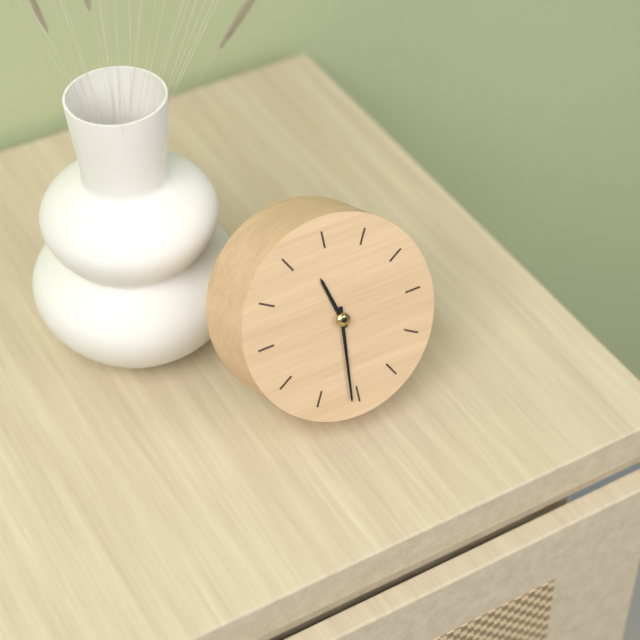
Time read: 11:31
